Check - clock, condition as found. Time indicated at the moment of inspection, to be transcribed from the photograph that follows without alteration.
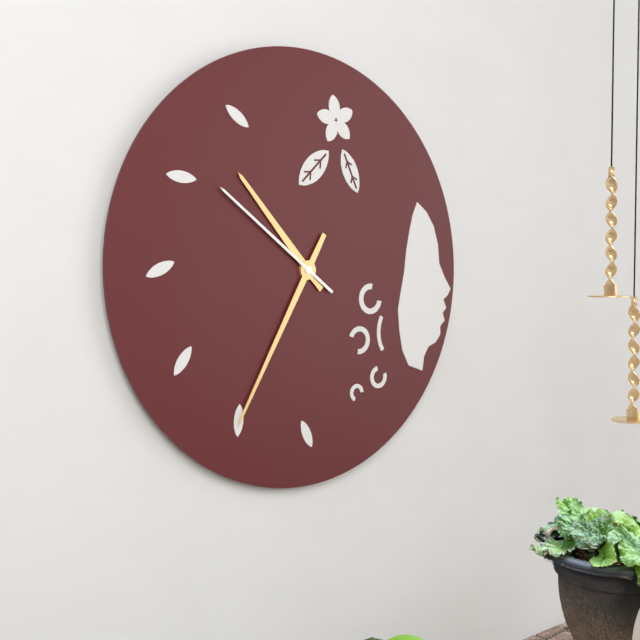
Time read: 10:35:51
